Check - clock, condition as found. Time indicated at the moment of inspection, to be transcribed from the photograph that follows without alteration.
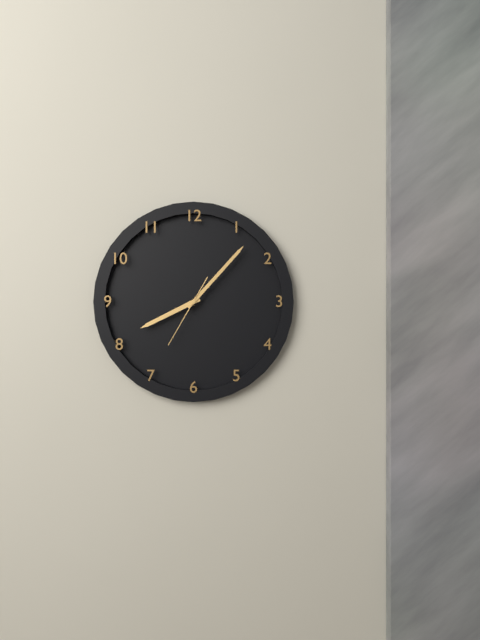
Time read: 8:07:35
